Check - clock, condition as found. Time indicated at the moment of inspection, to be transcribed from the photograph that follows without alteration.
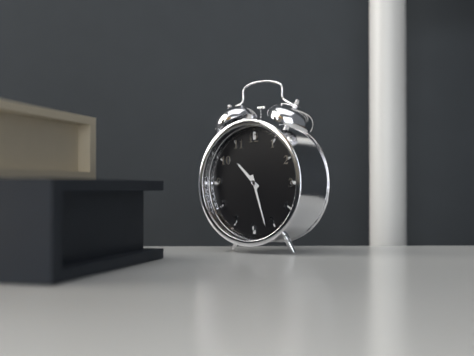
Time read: 10:27
